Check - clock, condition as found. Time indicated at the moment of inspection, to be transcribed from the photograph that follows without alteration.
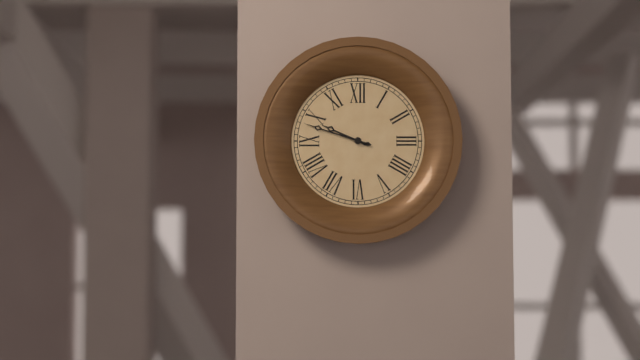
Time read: 9:48
